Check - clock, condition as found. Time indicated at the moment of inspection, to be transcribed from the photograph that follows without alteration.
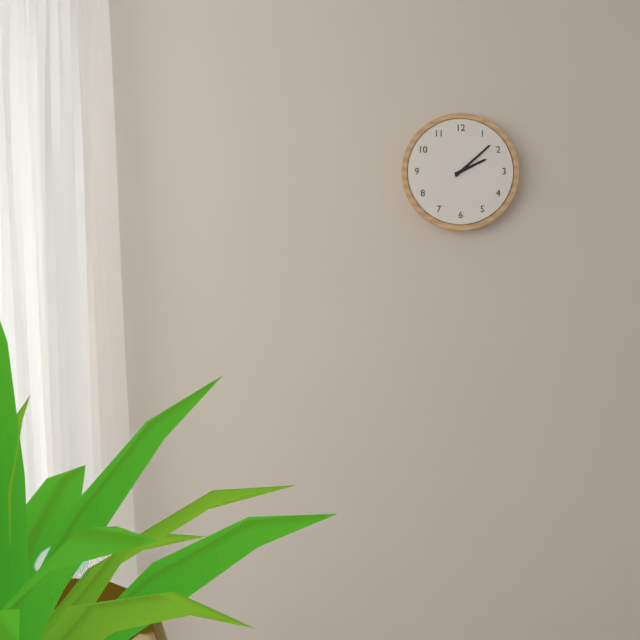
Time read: 2:08
